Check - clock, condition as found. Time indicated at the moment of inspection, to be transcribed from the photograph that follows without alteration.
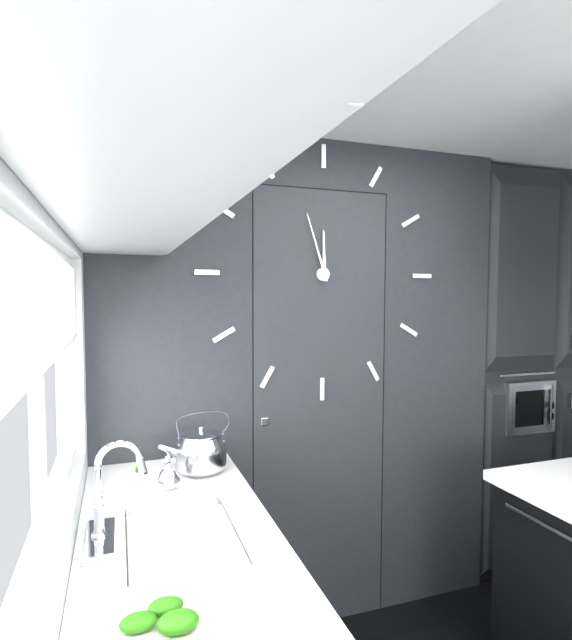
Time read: 11:57
